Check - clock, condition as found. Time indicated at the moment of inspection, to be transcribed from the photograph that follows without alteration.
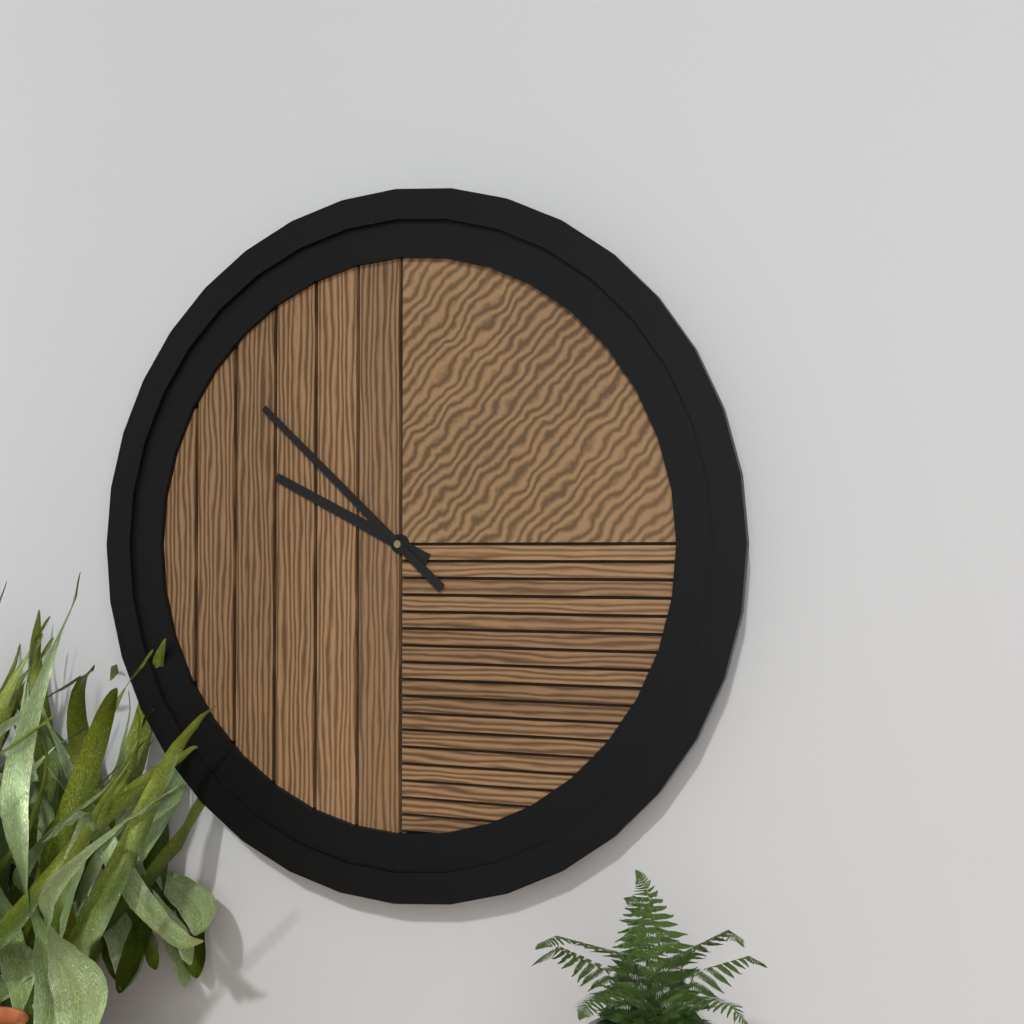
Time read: 9:52
